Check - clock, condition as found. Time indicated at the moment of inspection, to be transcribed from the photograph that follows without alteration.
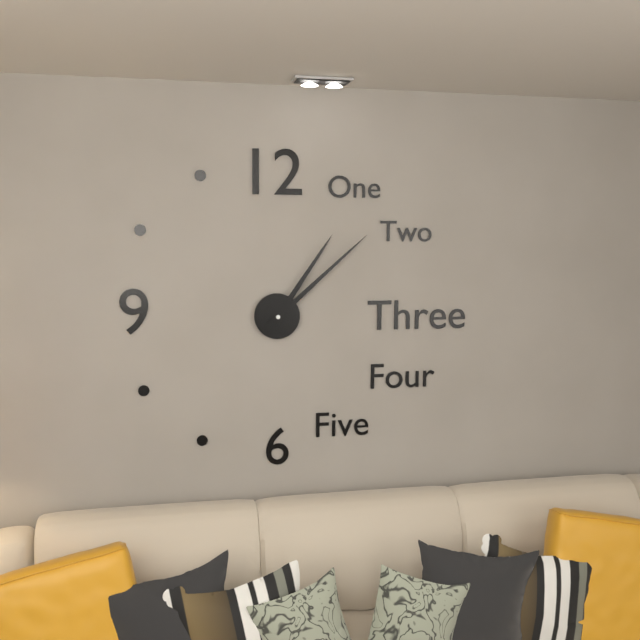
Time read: 1:08
